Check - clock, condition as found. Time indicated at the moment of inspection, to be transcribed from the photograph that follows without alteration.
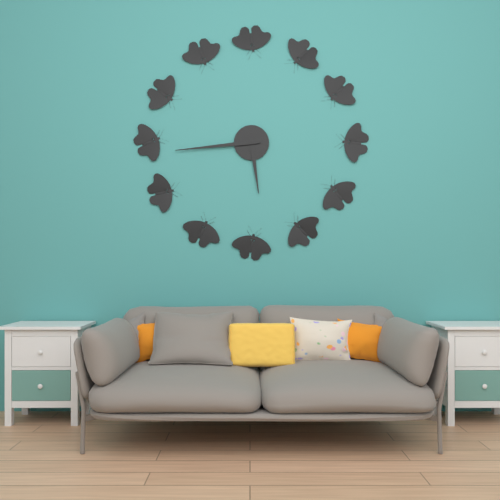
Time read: 5:44
